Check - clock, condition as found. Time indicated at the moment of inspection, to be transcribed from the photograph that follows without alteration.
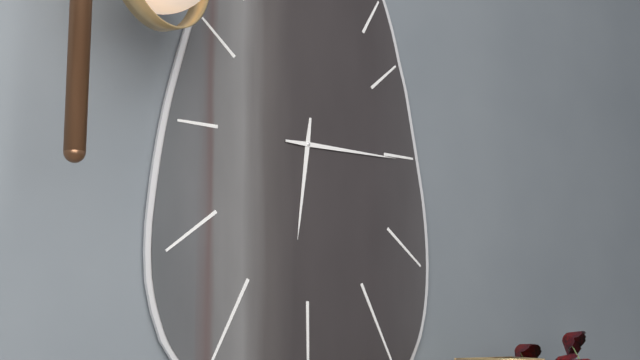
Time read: 6:15
